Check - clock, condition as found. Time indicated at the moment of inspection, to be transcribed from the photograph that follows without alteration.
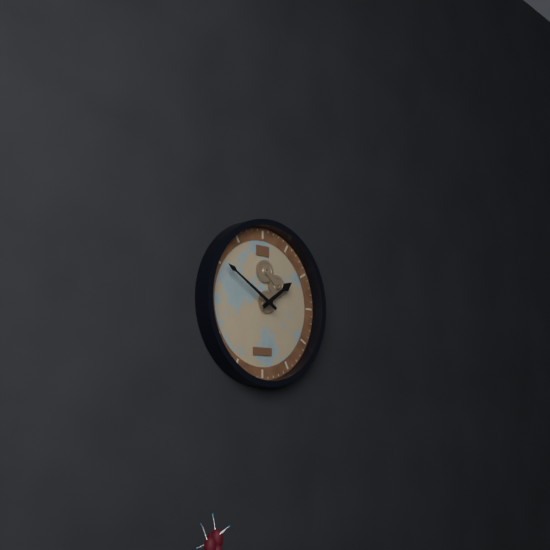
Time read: 1:50
